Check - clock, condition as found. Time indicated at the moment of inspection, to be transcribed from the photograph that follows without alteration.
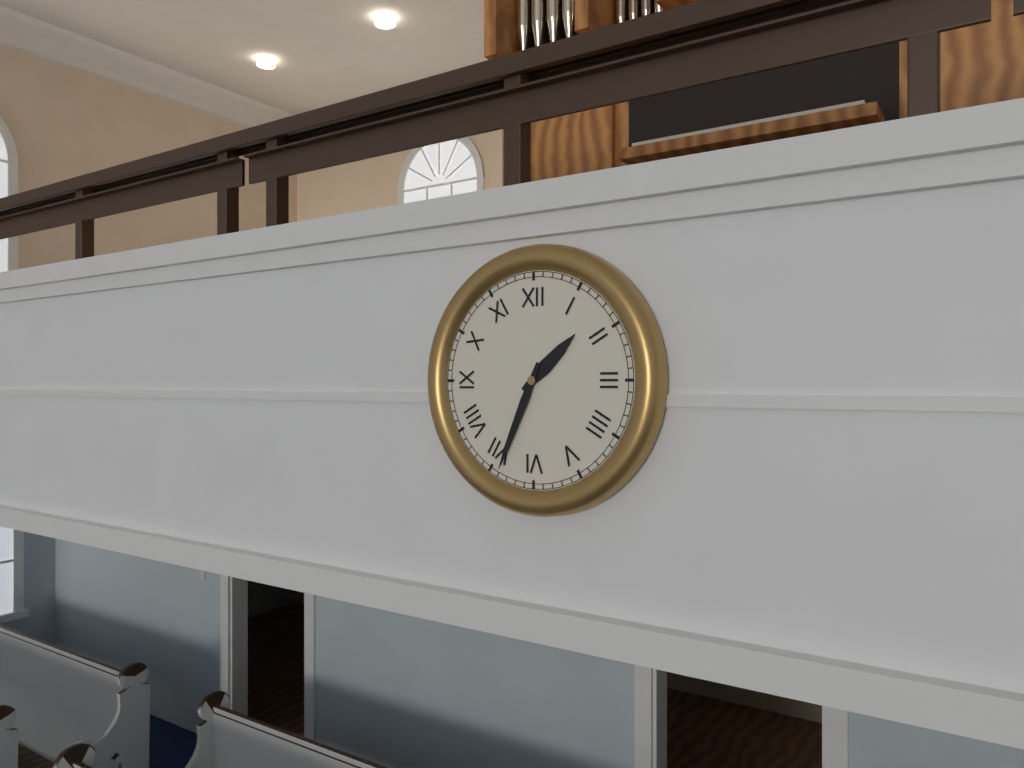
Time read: 1:34
